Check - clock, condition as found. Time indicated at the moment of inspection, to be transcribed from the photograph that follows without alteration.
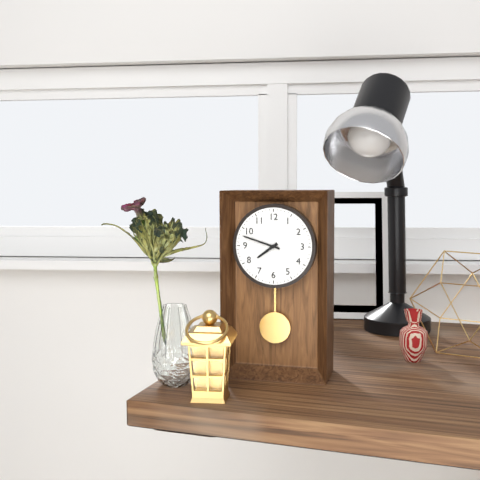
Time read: 7:48
